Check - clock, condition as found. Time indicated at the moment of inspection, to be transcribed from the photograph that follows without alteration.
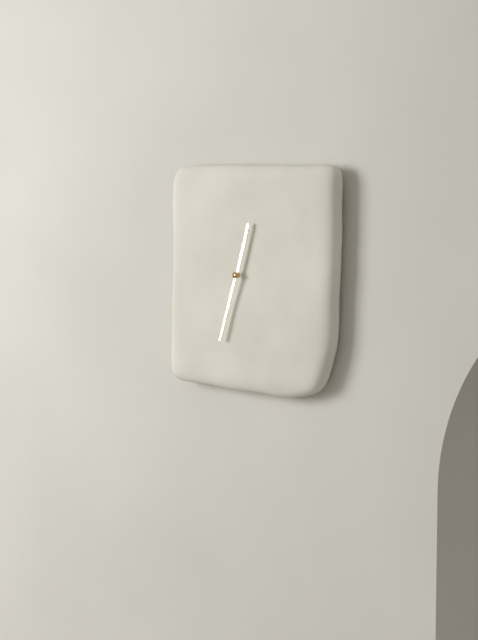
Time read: 12:33
